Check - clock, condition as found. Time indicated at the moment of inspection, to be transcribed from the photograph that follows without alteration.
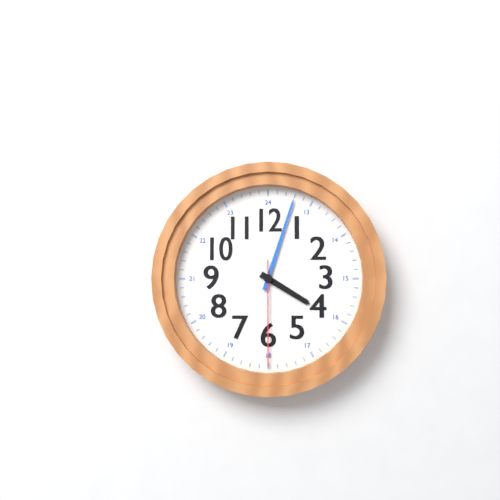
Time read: 4:03:30
